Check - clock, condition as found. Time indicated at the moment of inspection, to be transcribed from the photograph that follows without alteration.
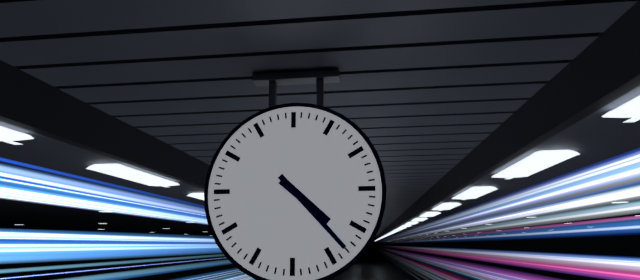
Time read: 4:23
